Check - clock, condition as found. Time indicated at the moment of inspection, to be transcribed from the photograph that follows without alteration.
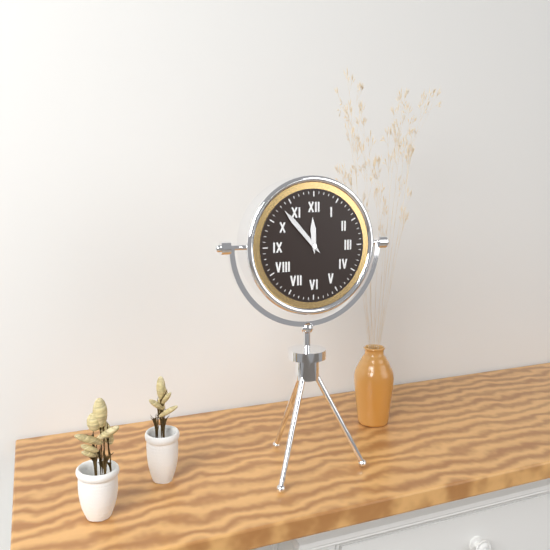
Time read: 11:53
